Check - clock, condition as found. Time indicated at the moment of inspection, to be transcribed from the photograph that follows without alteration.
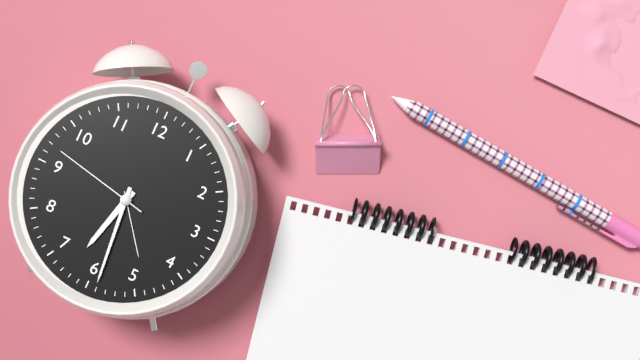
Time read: 6:29:47
